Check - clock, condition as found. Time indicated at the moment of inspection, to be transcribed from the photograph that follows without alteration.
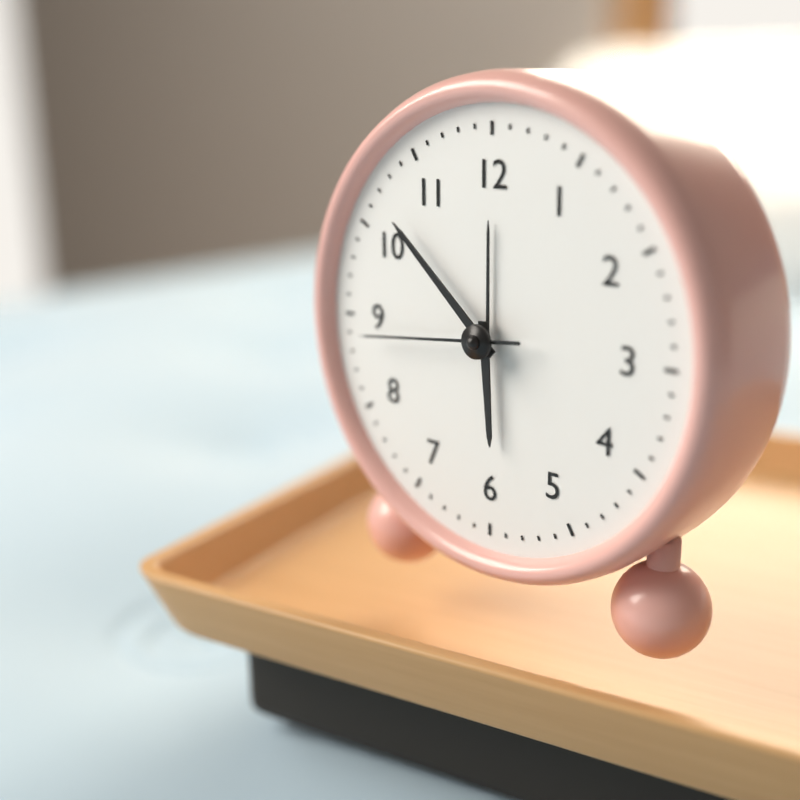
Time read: 5:52:44
